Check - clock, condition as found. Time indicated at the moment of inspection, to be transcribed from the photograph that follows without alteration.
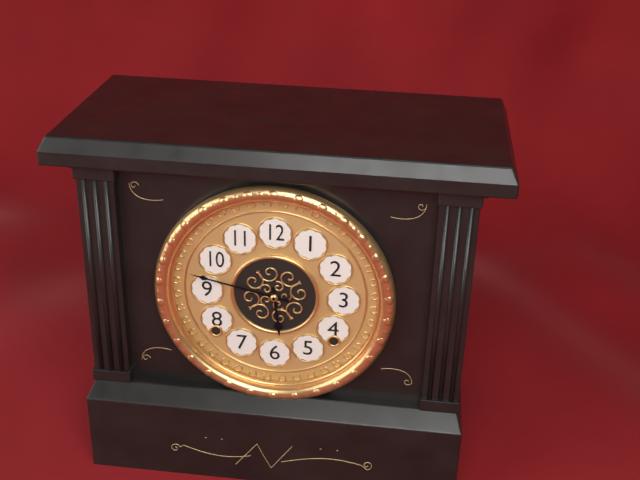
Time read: 5:47
